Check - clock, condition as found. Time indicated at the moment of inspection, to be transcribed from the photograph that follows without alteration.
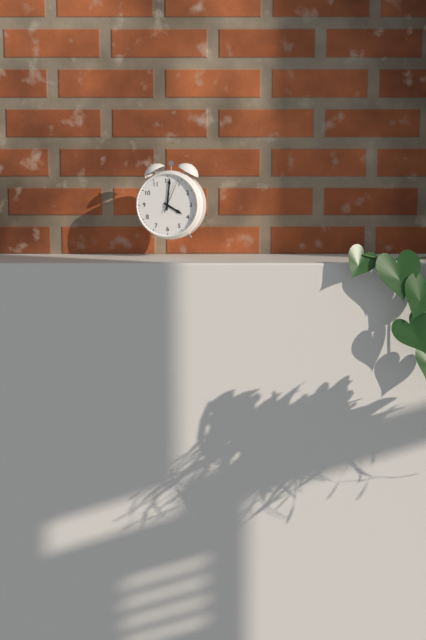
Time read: 4:01
